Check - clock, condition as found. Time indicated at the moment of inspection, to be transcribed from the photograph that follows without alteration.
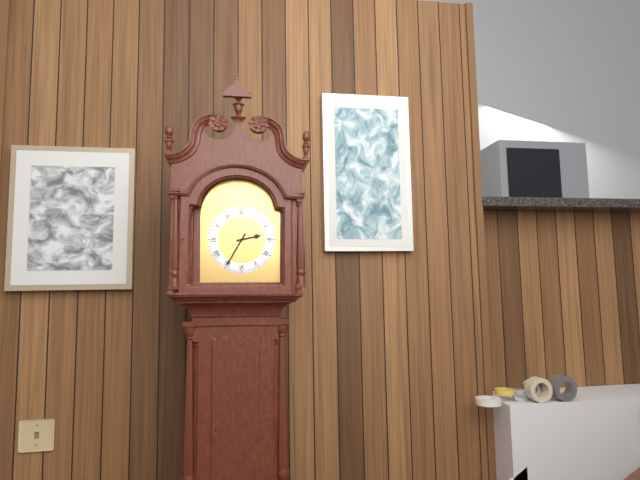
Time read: 2:35
